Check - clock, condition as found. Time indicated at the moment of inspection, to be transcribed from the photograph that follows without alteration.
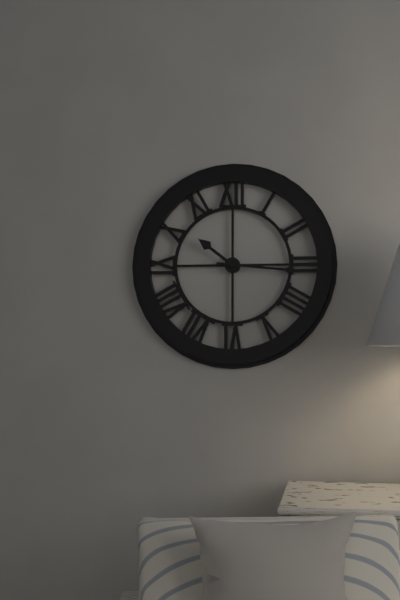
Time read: 10:16
